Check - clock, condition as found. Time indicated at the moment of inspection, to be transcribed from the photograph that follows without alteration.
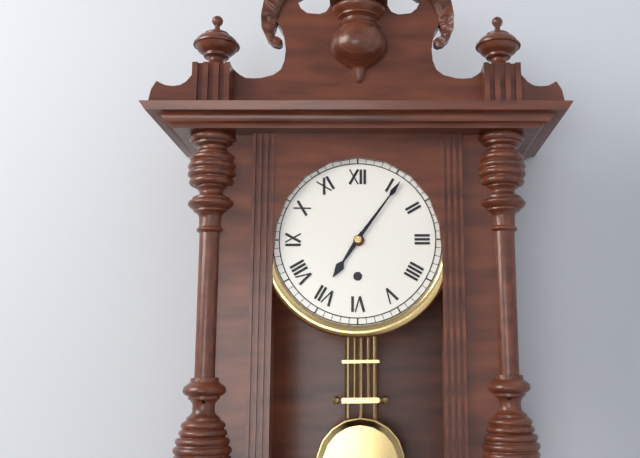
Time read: 7:06
